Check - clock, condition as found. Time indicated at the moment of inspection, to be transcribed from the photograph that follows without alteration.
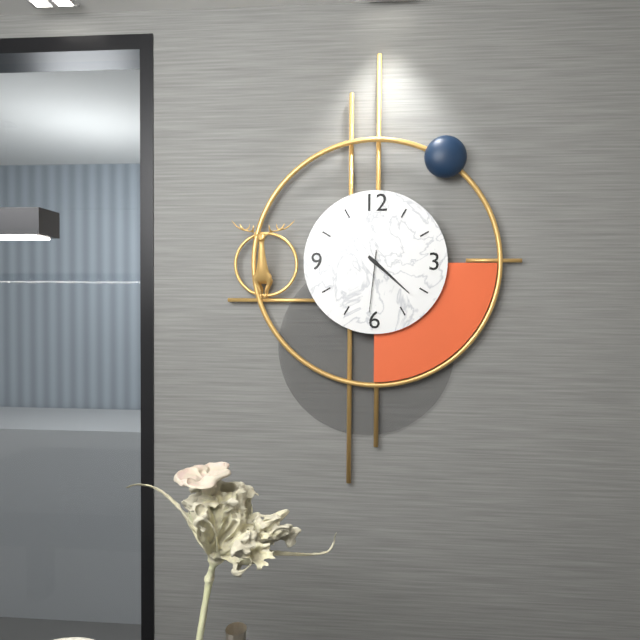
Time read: 4:22:31
